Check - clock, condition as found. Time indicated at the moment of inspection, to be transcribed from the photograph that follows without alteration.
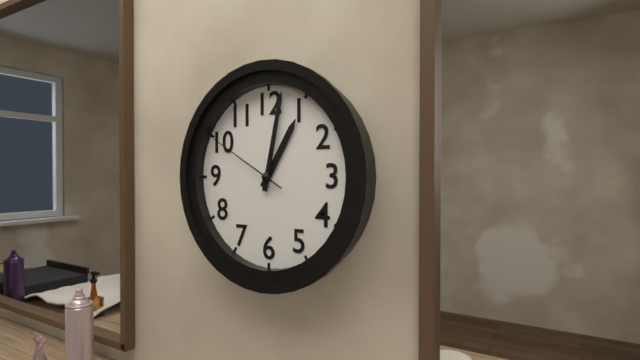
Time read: 1:02:50
